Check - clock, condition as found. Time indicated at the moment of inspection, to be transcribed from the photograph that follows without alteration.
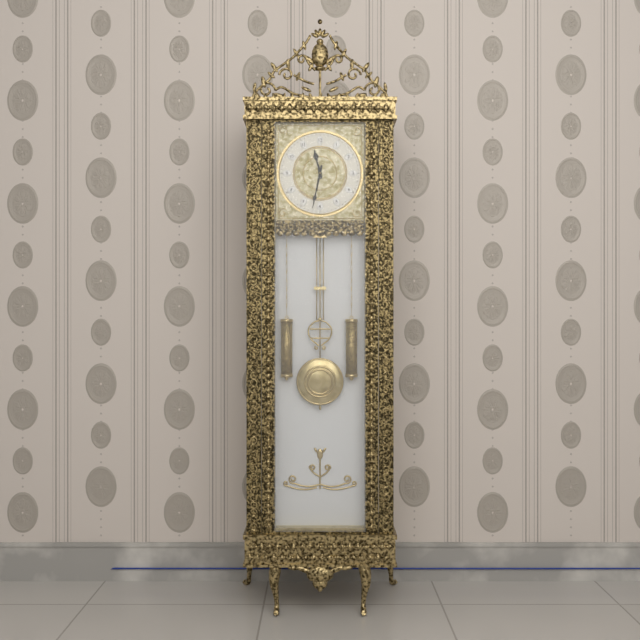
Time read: 11:32
